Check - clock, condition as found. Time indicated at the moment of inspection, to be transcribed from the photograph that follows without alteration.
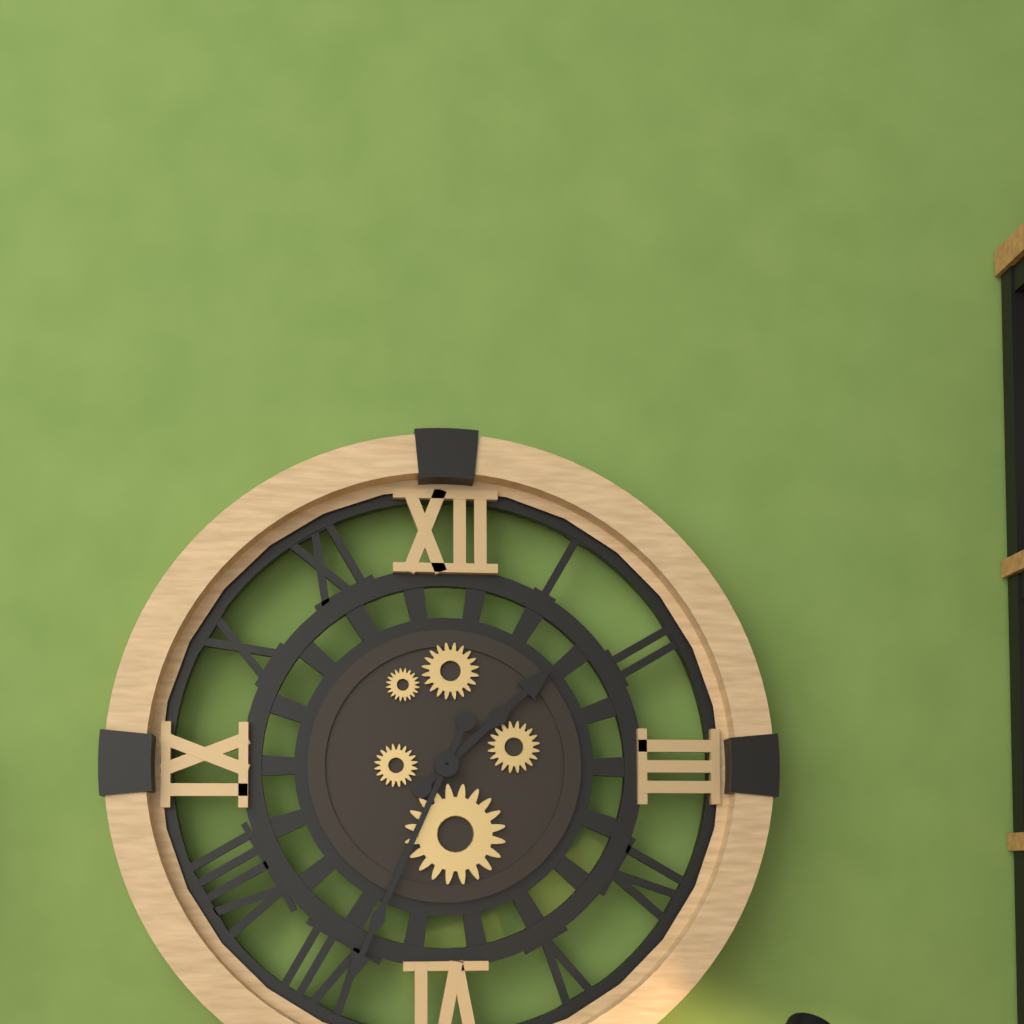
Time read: 1:34
